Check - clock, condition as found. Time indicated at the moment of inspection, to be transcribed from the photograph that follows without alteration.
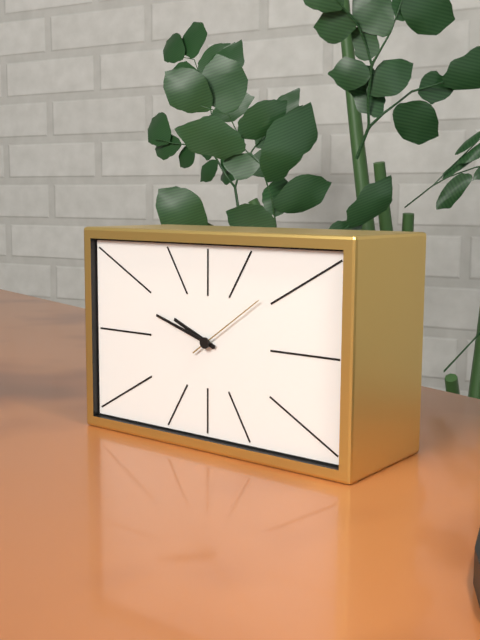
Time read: 9:48:09
